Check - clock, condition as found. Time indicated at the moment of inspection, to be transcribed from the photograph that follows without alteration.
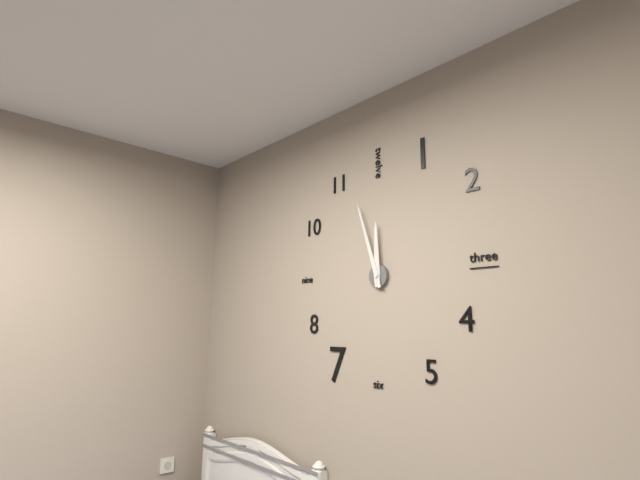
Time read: 11:57
